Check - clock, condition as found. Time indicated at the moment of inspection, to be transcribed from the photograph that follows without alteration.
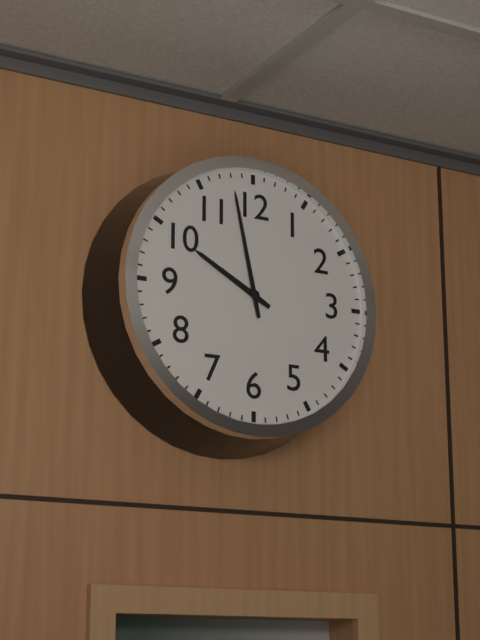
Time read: 9:58
